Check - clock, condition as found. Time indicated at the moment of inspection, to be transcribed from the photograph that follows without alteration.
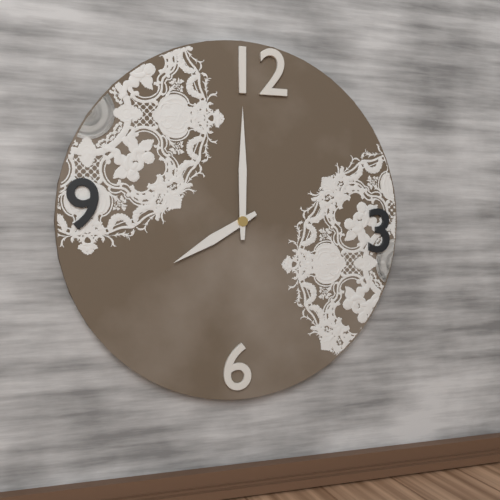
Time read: 8:00
